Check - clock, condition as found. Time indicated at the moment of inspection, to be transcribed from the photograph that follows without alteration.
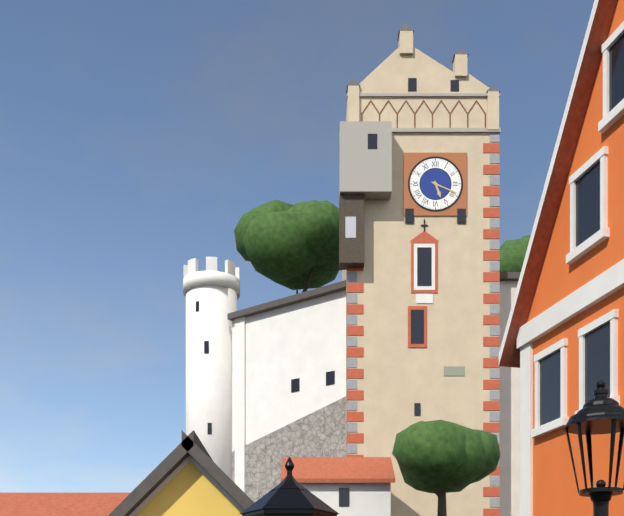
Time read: 5:19
